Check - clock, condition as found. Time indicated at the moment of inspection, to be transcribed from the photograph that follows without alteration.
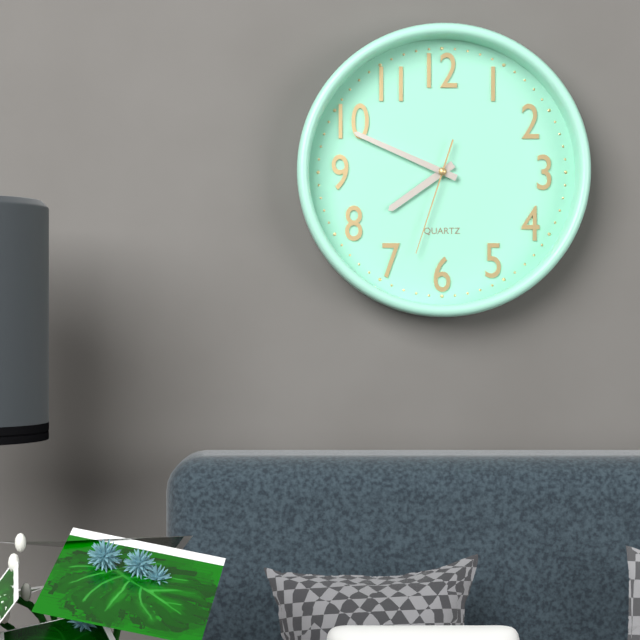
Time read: 7:49:33
